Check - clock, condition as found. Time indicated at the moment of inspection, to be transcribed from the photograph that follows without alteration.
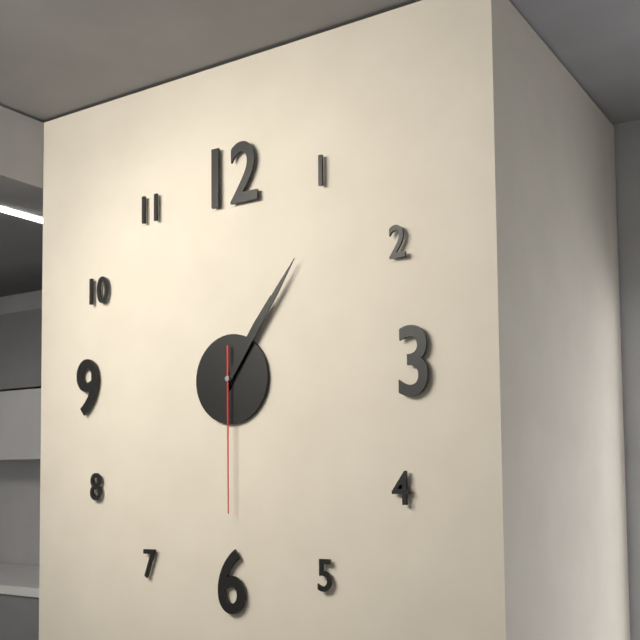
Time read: 1:06:30
